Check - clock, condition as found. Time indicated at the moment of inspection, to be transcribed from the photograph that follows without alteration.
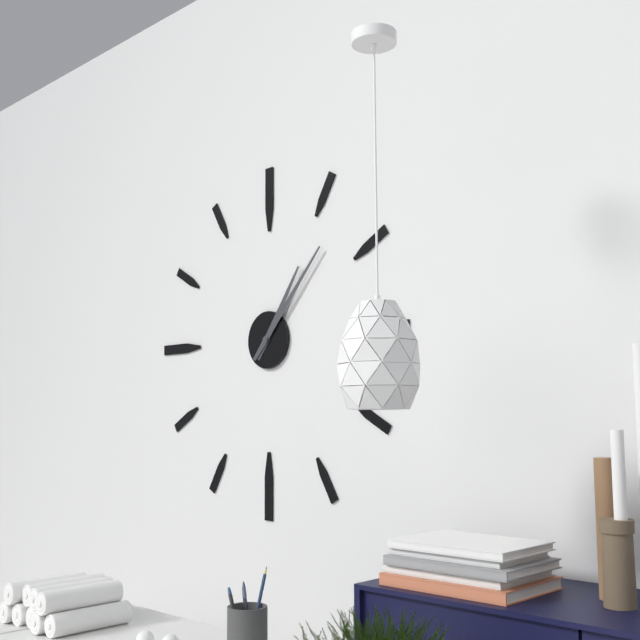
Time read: 1:07
